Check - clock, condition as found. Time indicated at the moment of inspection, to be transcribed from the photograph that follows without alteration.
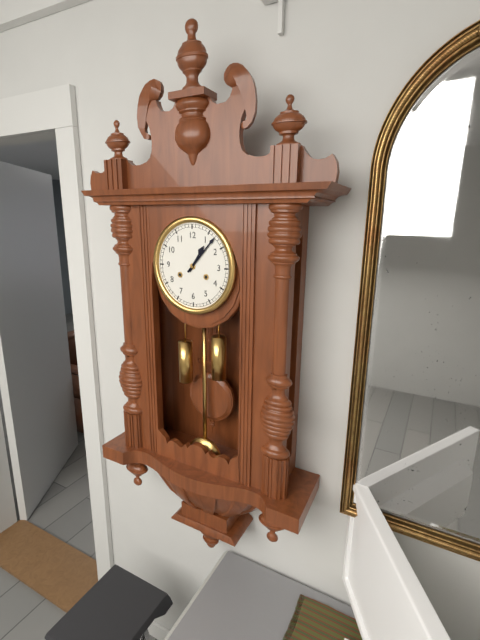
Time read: 1:07
